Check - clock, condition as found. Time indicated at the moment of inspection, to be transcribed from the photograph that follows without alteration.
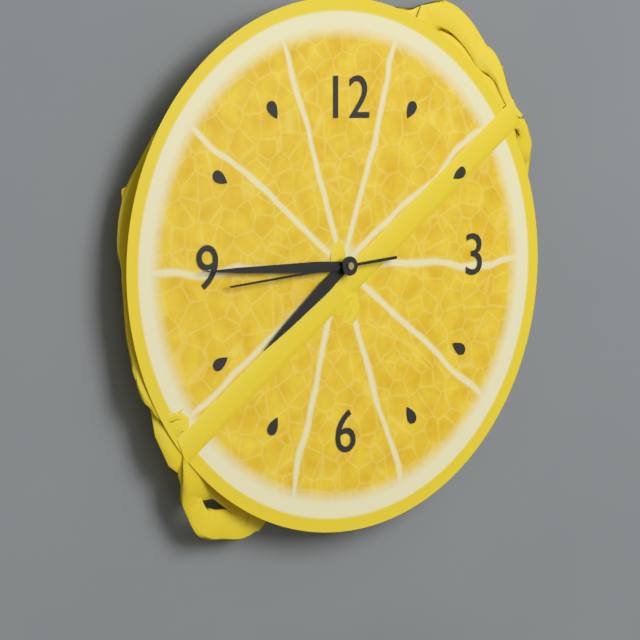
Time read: 7:45:44
